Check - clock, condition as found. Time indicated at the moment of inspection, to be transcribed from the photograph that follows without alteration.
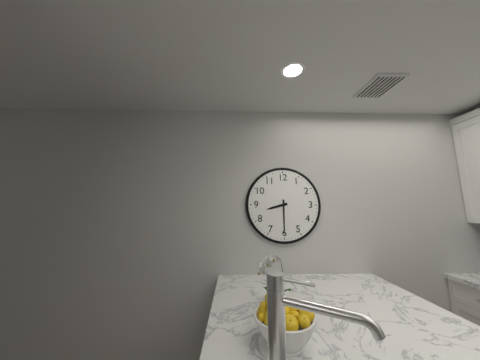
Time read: 8:30
